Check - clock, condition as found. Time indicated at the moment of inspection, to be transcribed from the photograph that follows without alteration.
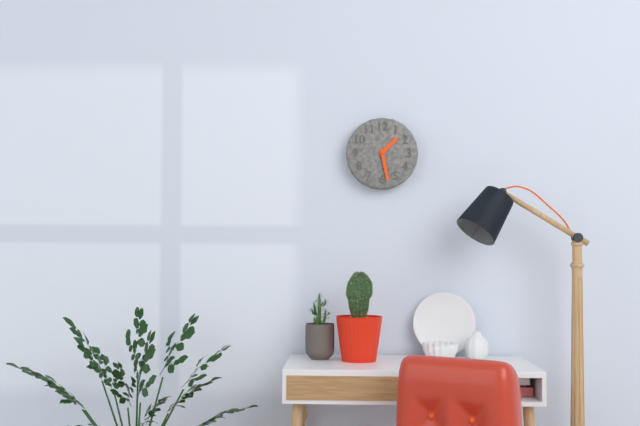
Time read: 1:28
